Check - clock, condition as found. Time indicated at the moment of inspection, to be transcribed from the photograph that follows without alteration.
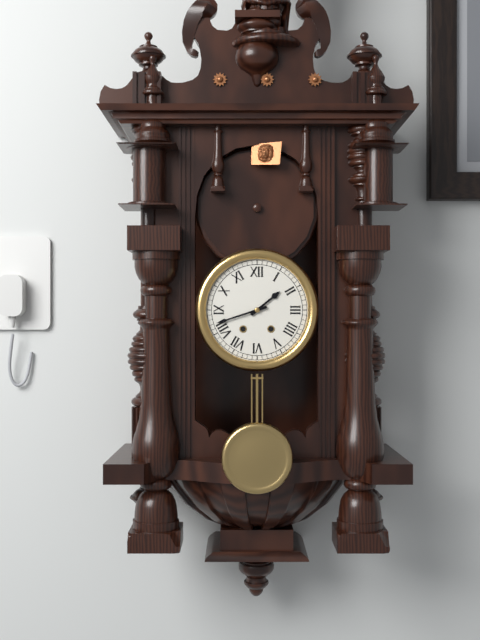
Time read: 1:42
